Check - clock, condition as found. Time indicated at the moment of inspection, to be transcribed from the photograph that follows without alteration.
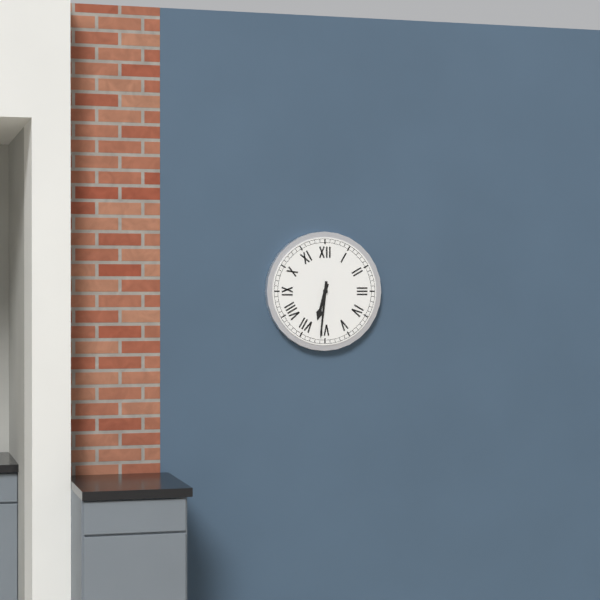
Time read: 6:31
